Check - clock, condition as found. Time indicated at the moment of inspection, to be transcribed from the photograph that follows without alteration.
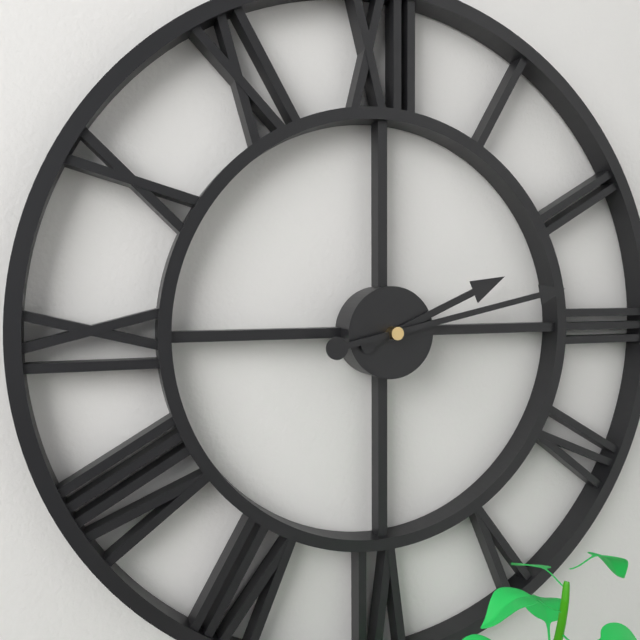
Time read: 2:13
